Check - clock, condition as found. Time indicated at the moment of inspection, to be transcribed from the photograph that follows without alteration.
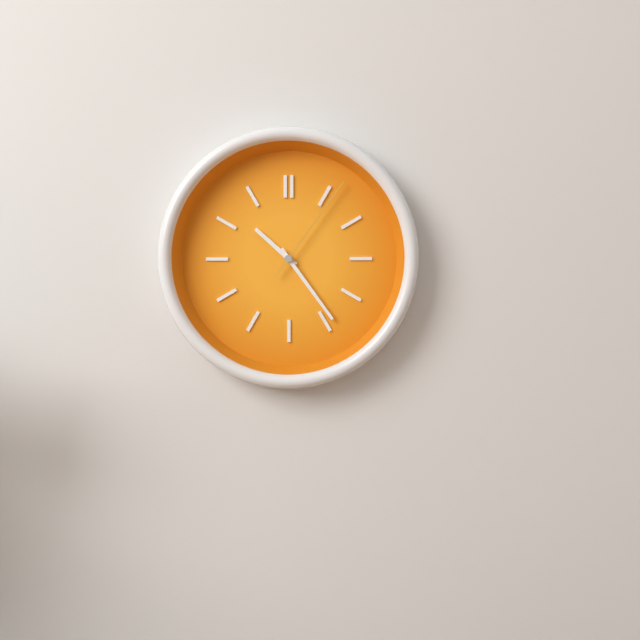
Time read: 10:24:06
